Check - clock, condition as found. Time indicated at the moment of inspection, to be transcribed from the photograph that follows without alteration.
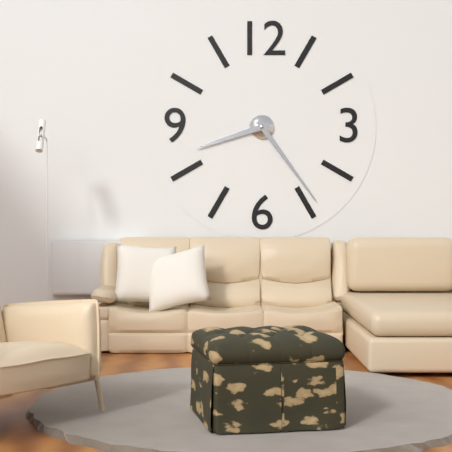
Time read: 8:24
